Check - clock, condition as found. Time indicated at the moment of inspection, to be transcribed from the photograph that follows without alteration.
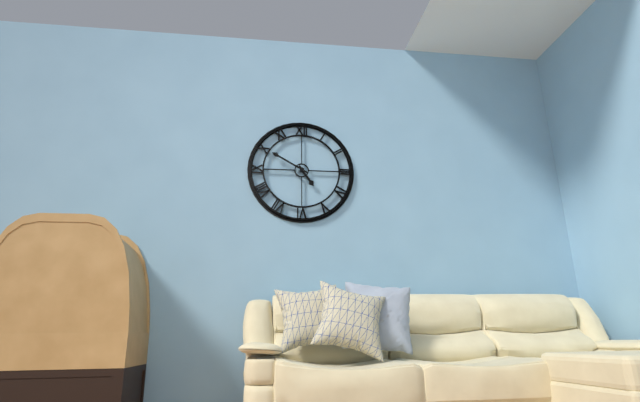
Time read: 4:50
